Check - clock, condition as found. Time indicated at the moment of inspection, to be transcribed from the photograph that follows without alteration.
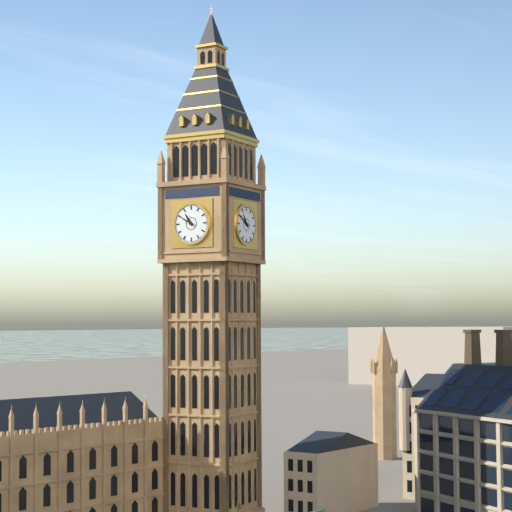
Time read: 10:50
